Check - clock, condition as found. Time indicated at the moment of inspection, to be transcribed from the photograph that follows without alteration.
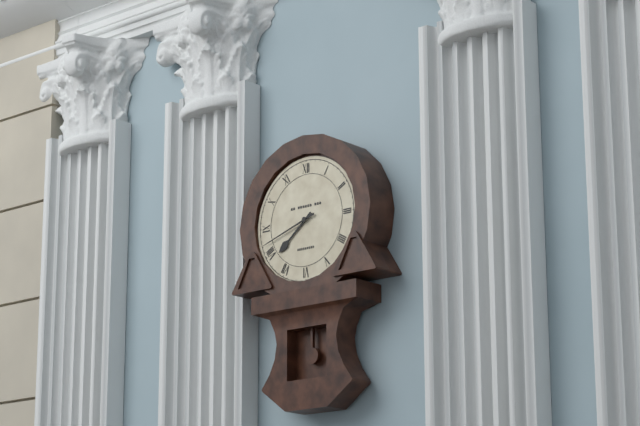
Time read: 7:42
